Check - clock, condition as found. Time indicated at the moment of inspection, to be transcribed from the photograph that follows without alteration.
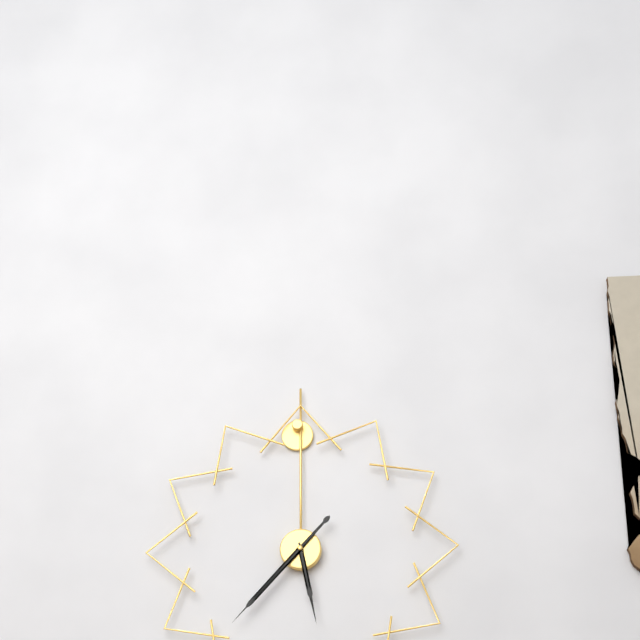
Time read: 5:37
